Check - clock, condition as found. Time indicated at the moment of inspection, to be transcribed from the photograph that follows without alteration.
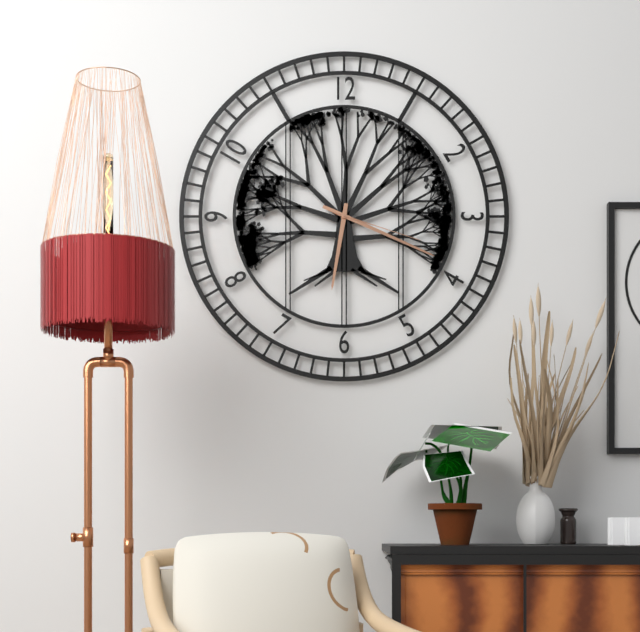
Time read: 6:19:18
